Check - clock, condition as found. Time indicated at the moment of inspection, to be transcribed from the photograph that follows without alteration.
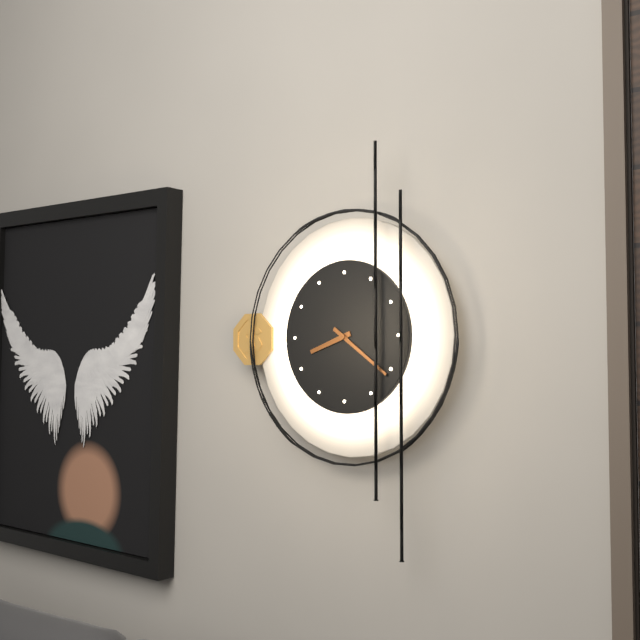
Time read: 8:21
